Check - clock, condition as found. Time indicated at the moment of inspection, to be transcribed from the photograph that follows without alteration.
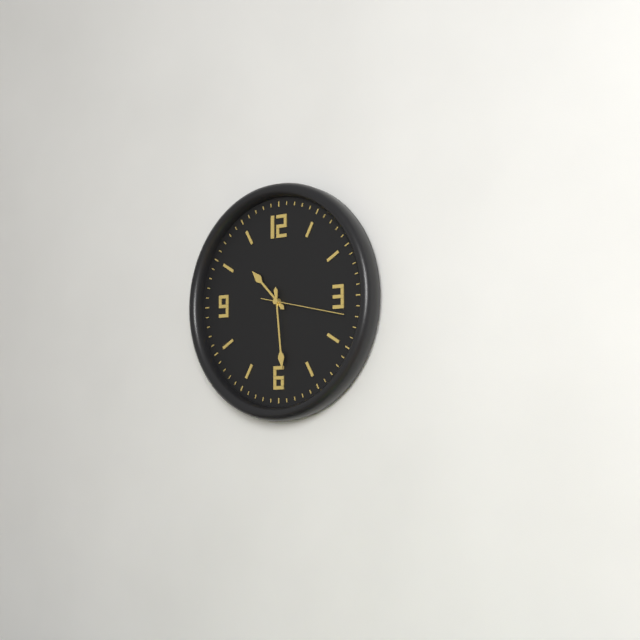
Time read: 10:29:17
